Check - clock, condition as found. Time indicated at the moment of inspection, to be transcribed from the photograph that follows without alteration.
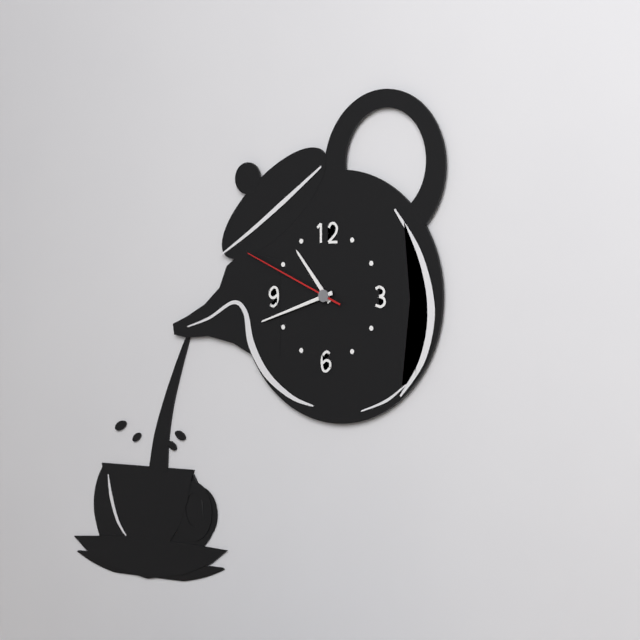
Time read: 10:42:49
